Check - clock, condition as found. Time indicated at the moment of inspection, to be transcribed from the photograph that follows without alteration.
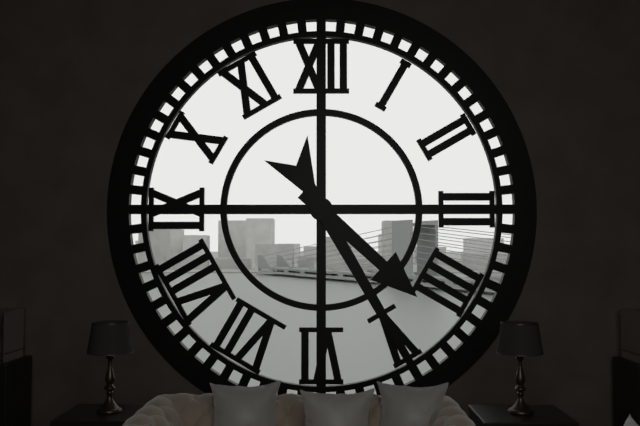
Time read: 4:25
